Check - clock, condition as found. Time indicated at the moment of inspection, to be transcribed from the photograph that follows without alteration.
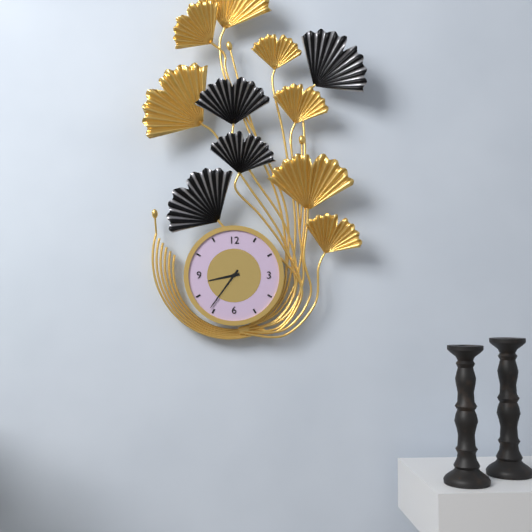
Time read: 8:36
